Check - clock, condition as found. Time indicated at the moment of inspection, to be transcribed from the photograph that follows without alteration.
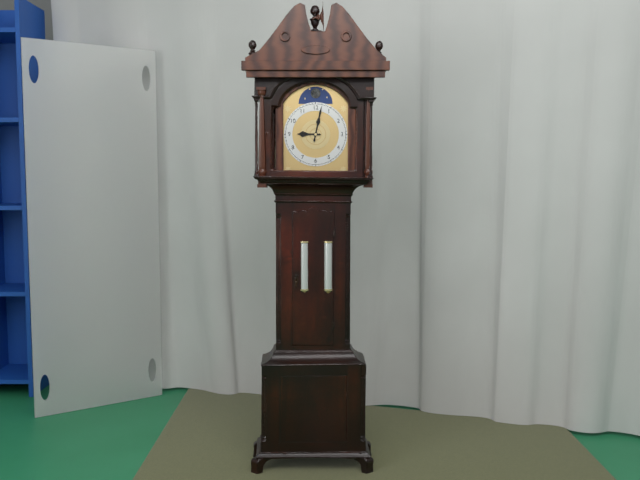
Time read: 9:02
